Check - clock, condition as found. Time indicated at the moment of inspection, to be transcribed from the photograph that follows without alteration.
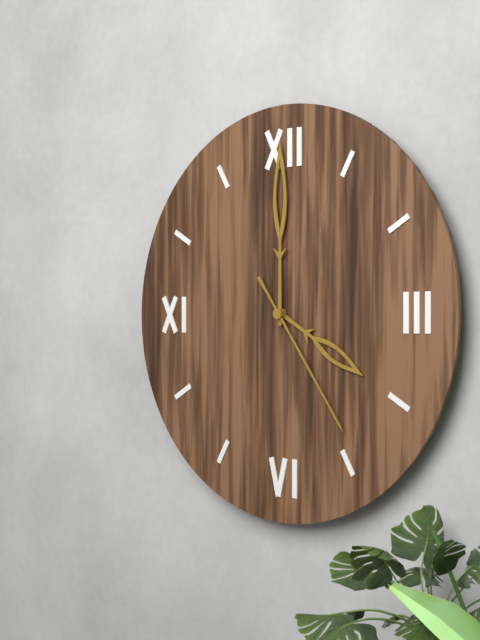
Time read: 4:00:24
